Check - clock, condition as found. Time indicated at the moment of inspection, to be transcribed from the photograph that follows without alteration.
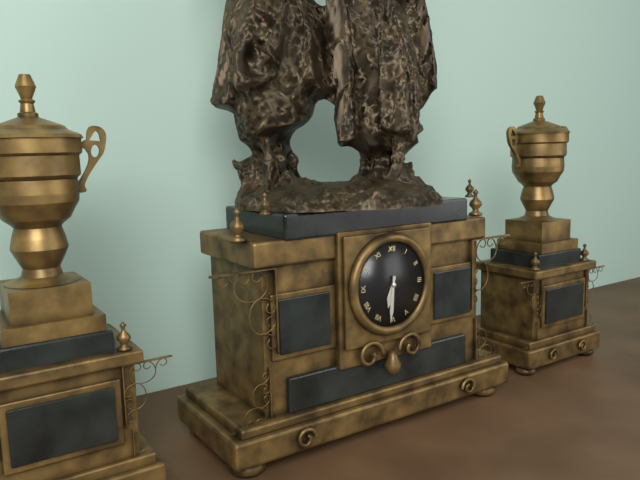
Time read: 6:31
